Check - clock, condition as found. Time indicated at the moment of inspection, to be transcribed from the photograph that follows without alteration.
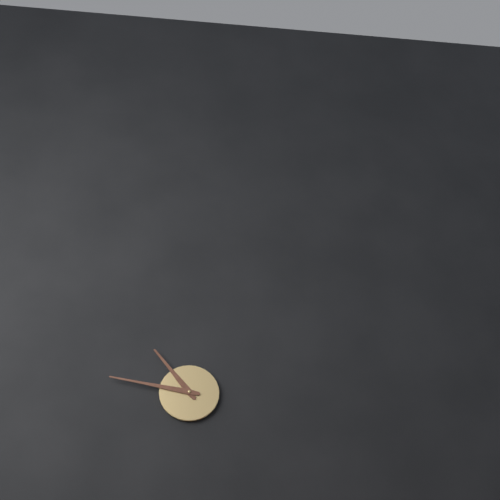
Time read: 10:47
